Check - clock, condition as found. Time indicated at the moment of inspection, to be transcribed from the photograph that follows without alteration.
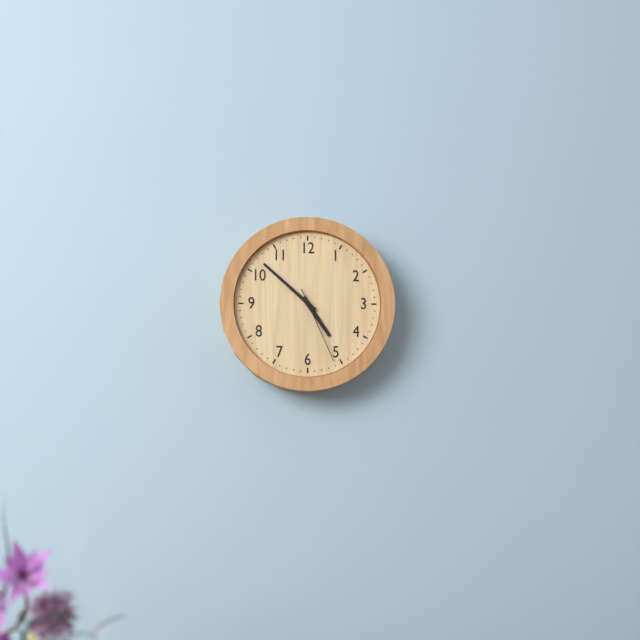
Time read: 4:52:26
